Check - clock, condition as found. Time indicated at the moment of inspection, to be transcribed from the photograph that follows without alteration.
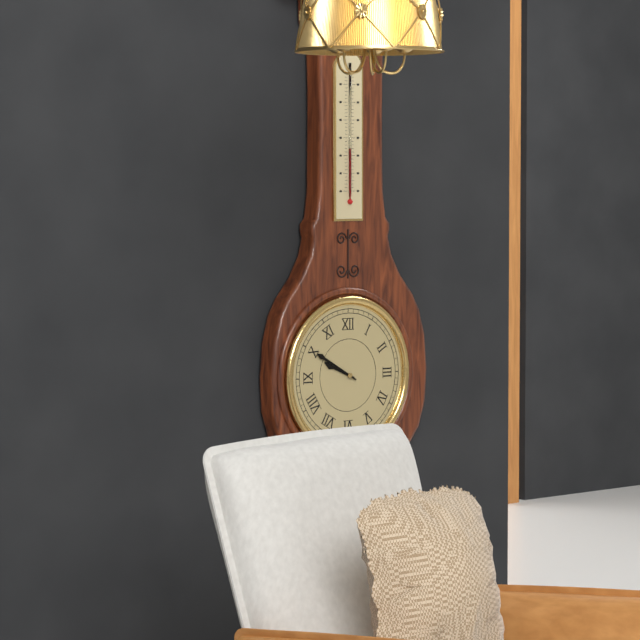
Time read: 9:50
